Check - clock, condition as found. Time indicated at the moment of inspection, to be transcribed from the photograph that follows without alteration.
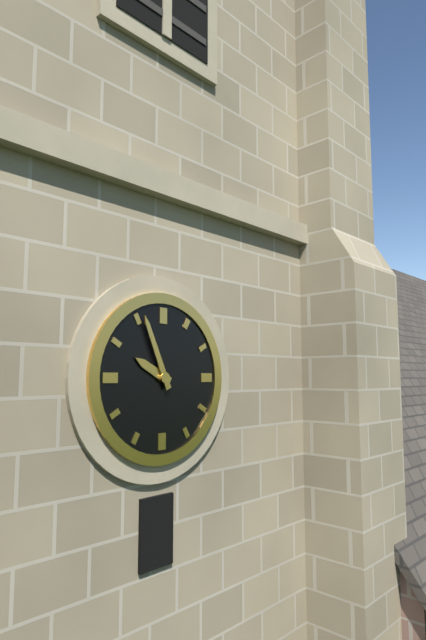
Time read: 9:56
